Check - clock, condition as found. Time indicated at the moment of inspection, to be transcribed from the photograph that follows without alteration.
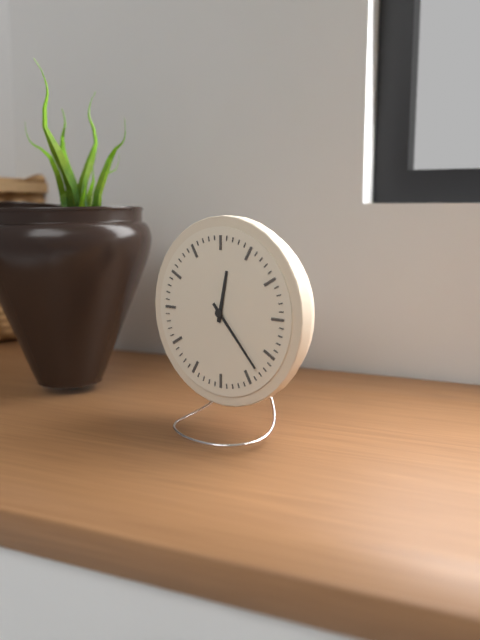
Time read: 12:23
